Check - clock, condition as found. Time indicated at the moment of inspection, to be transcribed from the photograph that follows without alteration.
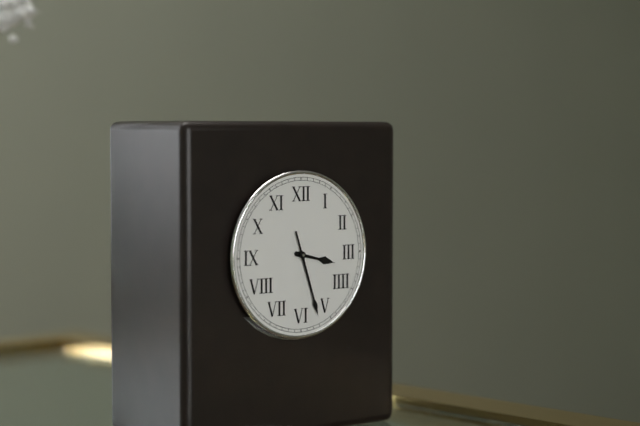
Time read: 3:27
